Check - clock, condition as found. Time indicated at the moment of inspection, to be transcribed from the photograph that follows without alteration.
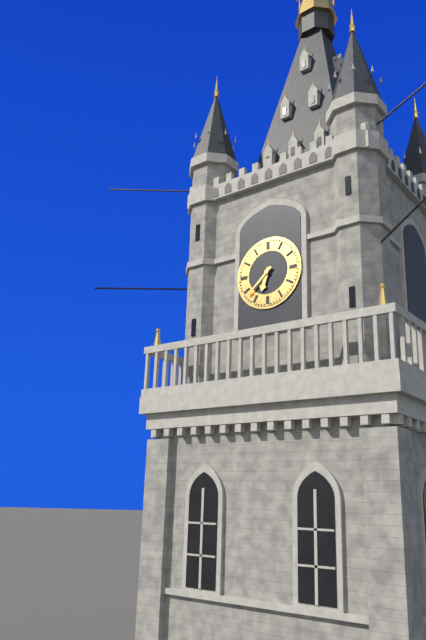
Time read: 6:38
